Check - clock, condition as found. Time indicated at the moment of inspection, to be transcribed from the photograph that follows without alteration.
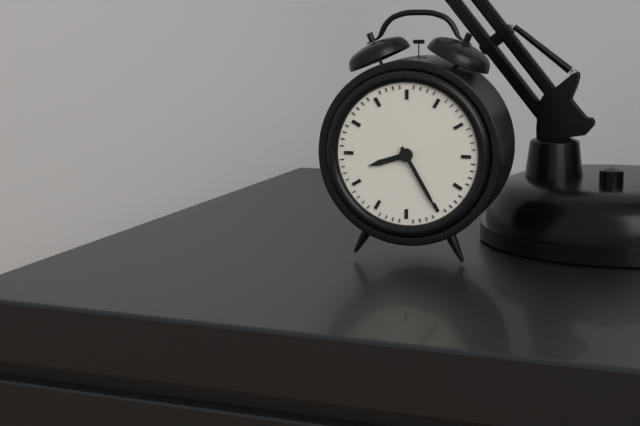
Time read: 8:25
